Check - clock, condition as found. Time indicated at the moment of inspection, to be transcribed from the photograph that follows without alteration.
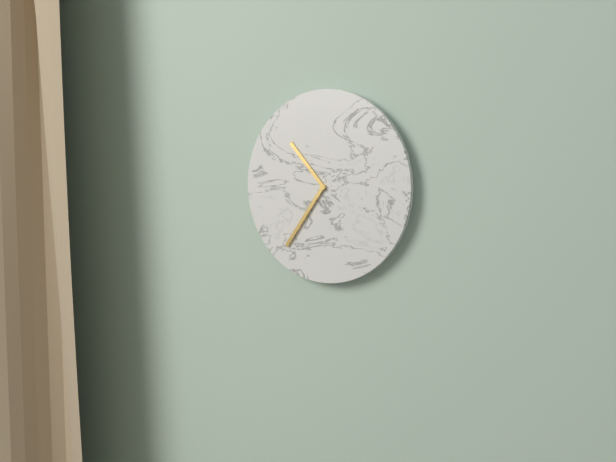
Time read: 10:36
